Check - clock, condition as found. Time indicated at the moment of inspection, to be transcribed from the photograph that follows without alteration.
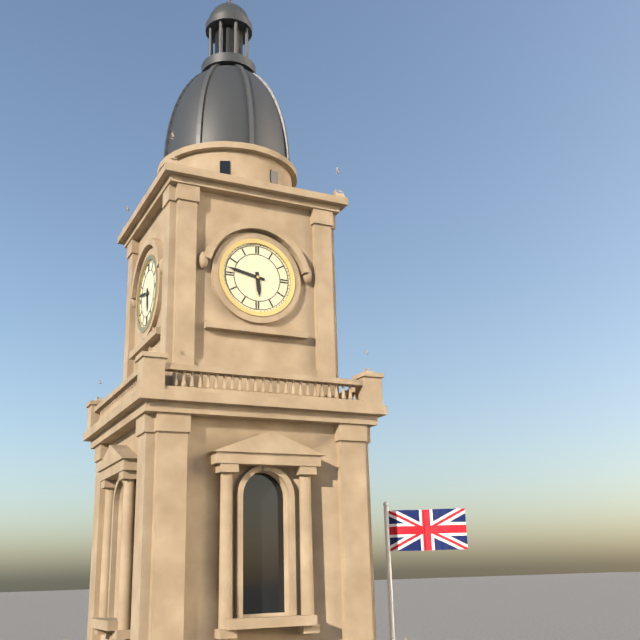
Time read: 5:47
